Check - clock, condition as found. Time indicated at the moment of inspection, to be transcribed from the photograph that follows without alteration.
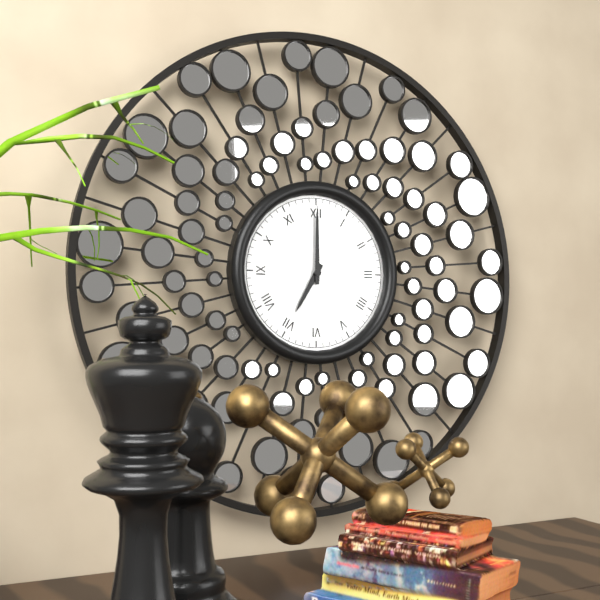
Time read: 7:00
